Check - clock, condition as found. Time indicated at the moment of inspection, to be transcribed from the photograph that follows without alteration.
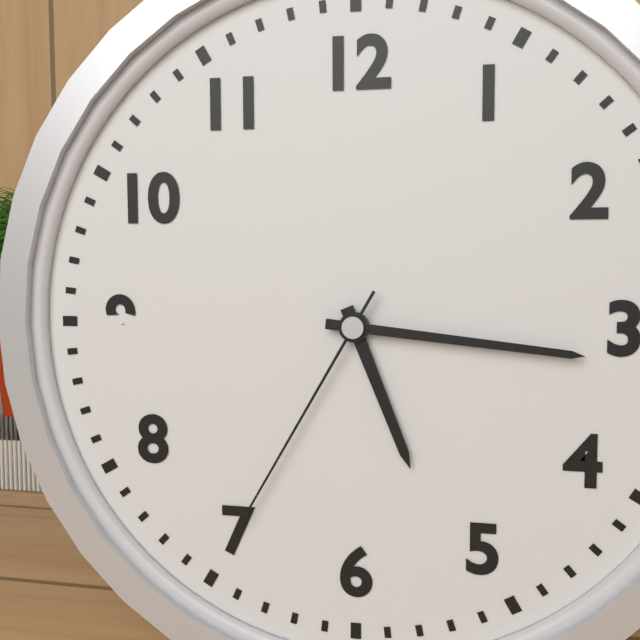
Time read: 5:16:35
